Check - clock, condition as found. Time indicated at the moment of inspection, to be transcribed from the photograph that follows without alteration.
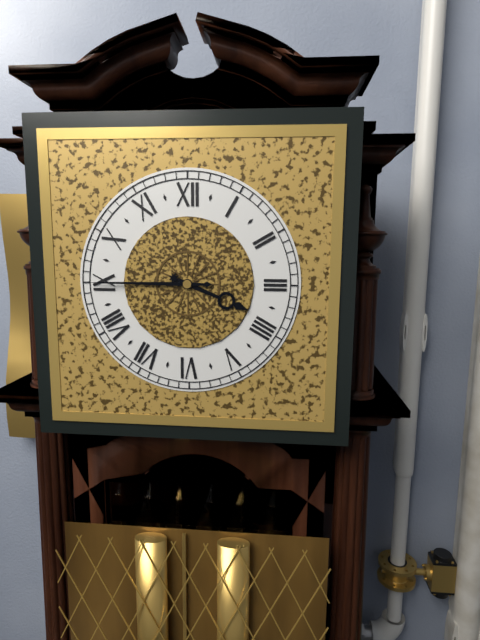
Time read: 3:45
